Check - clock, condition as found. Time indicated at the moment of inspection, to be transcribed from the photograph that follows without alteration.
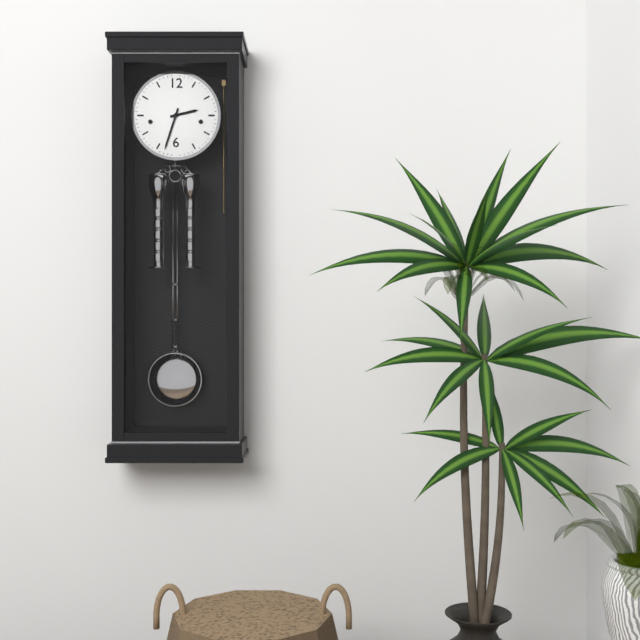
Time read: 2:33
